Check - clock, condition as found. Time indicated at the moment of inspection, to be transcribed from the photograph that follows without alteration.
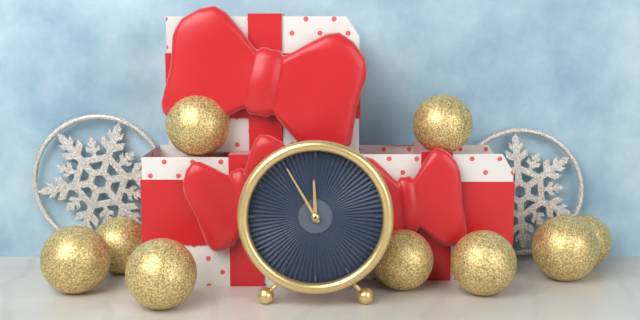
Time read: 11:55
